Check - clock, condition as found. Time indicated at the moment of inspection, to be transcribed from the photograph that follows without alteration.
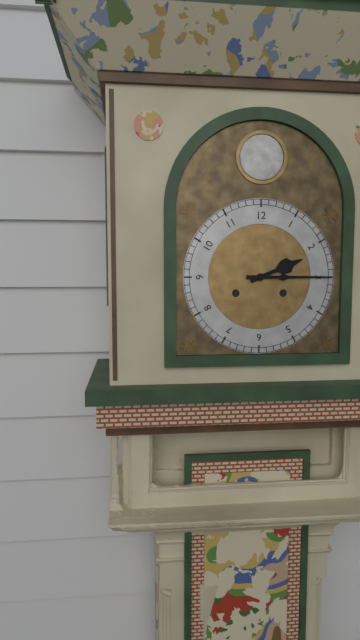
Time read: 2:15
